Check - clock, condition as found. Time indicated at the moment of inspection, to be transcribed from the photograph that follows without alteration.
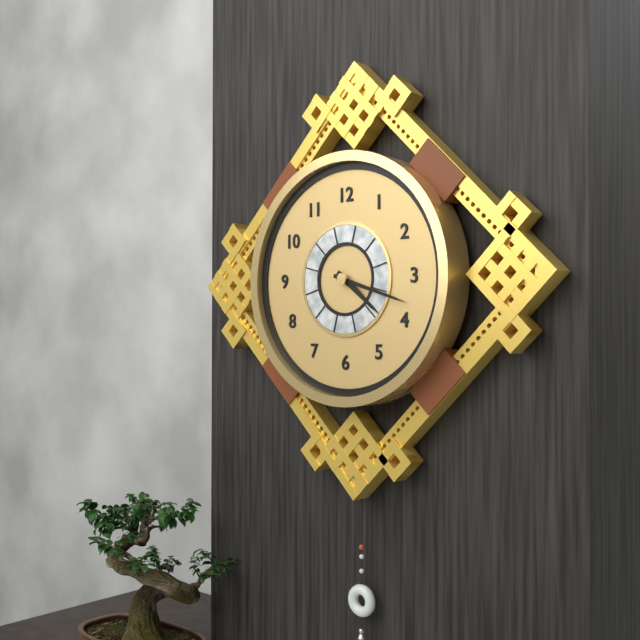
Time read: 4:18
